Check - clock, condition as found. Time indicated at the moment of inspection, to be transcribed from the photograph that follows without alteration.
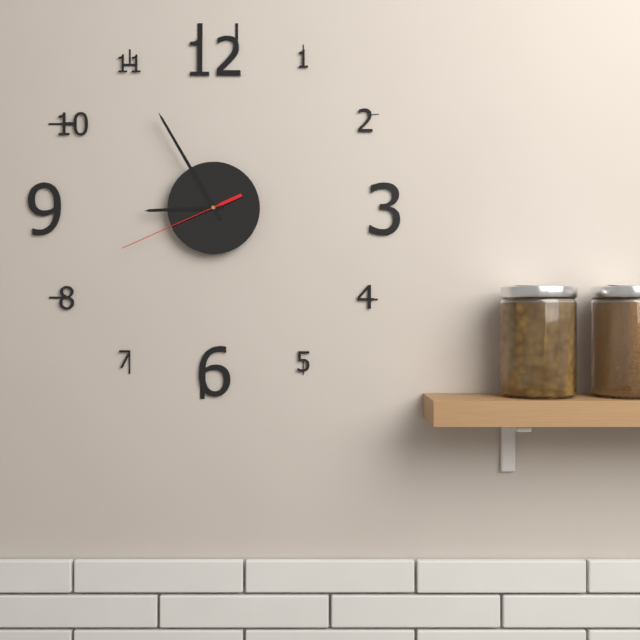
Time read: 8:55:41
